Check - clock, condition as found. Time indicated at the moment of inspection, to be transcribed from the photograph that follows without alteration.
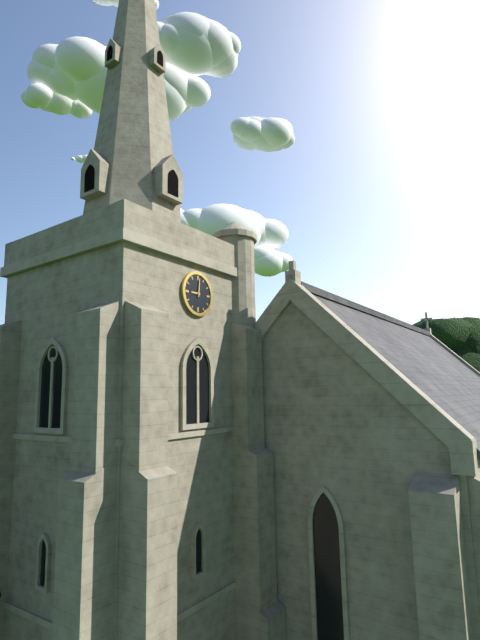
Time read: 9:01
